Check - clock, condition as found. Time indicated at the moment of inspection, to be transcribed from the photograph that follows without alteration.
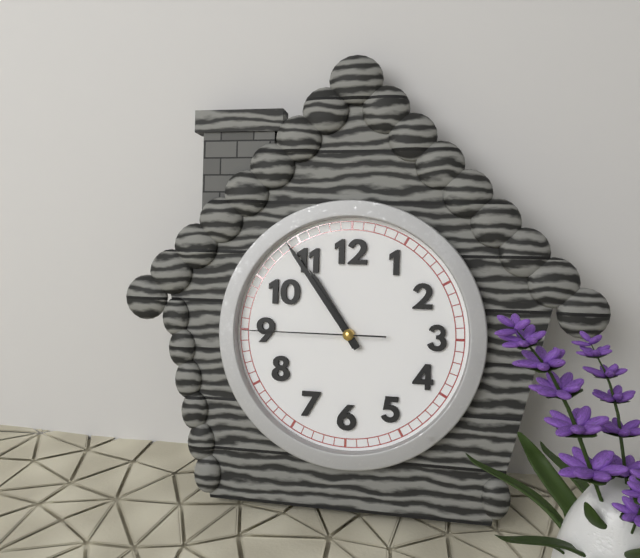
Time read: 10:54:45
